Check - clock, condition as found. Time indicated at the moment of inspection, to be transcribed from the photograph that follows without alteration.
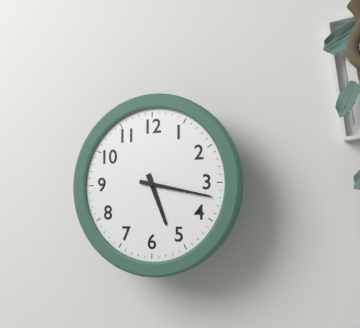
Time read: 5:17
